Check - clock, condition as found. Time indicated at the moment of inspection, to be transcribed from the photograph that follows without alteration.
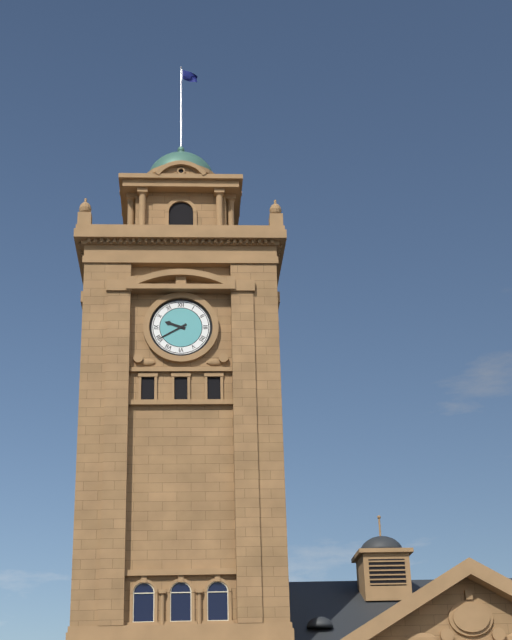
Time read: 9:40
